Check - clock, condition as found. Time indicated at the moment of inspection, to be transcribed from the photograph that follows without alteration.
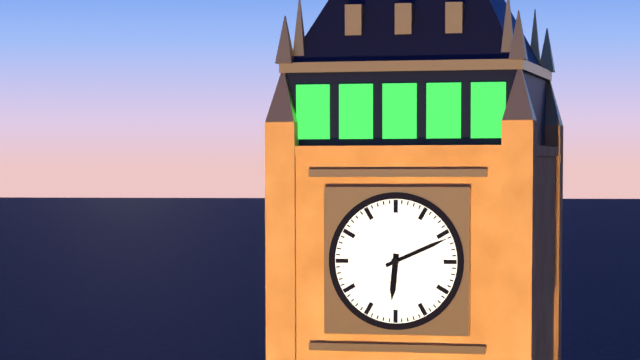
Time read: 6:11
